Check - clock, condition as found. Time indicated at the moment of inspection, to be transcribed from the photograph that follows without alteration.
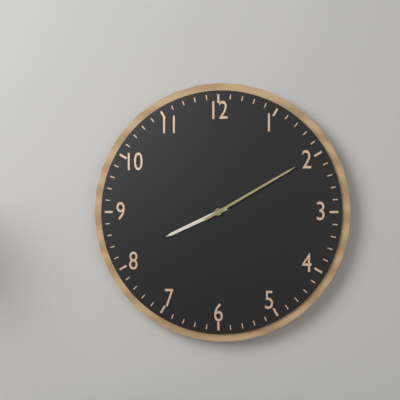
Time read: 8:10
